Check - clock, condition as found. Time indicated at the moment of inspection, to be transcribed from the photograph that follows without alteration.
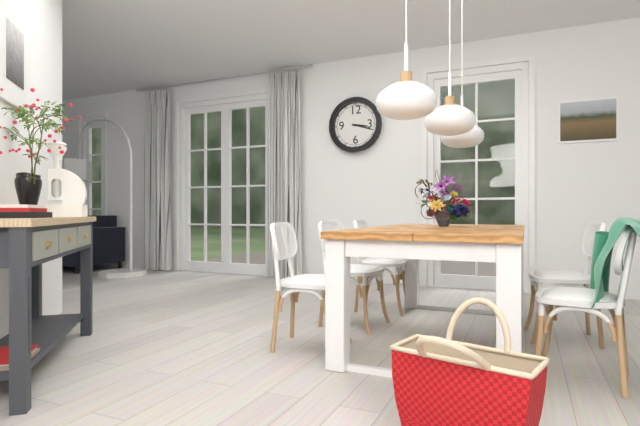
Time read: 3:18
